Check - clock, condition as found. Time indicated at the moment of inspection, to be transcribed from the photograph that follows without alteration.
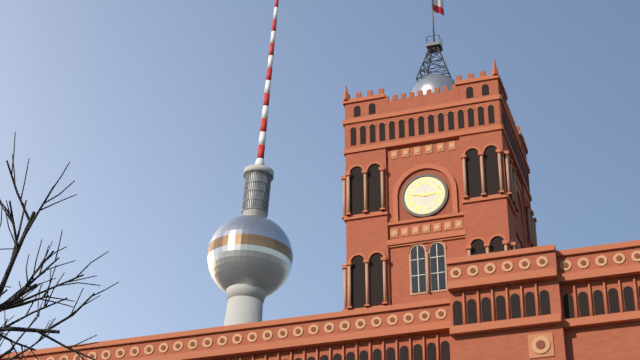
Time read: 2:47
